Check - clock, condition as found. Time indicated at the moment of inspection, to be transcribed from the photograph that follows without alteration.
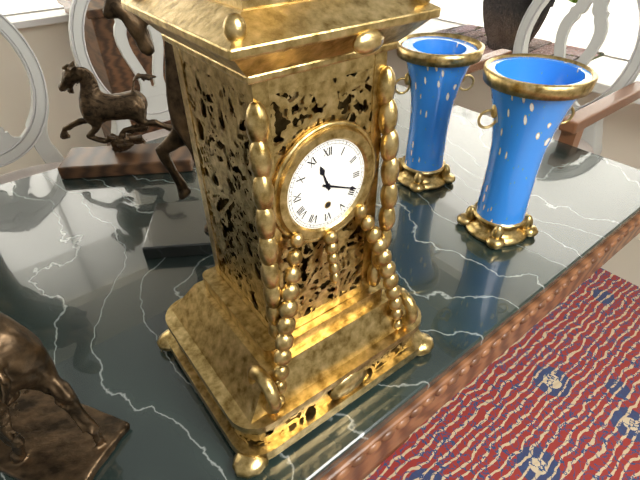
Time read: 11:19
